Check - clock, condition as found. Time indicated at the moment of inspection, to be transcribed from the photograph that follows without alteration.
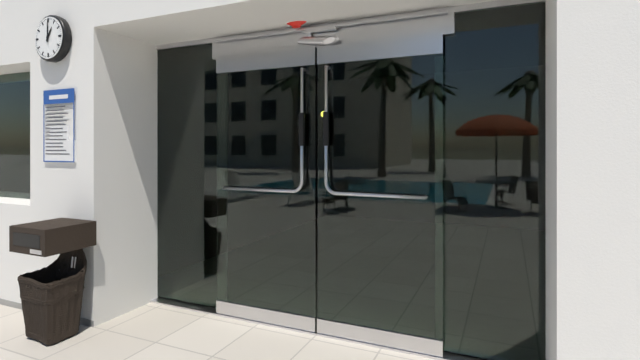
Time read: 1:00
